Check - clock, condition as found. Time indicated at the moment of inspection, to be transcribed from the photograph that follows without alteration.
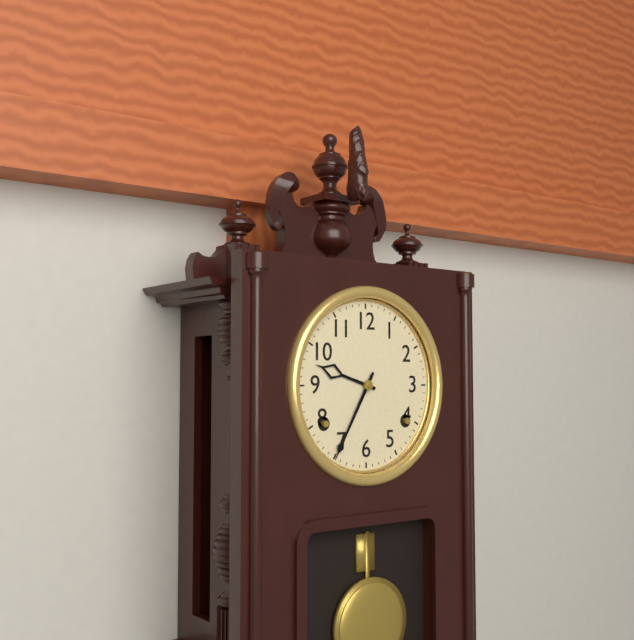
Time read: 9:35
